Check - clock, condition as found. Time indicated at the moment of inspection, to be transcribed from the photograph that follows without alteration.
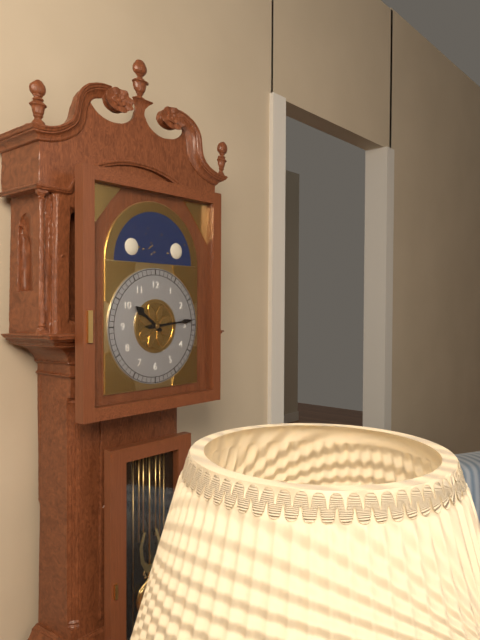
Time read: 10:14
